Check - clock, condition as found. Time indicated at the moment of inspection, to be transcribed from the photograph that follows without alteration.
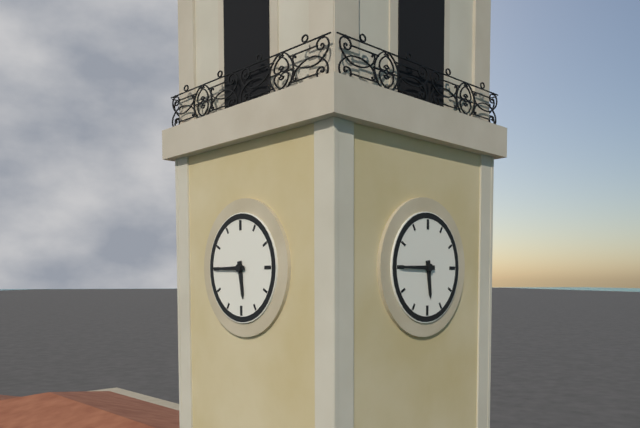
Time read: 5:45
